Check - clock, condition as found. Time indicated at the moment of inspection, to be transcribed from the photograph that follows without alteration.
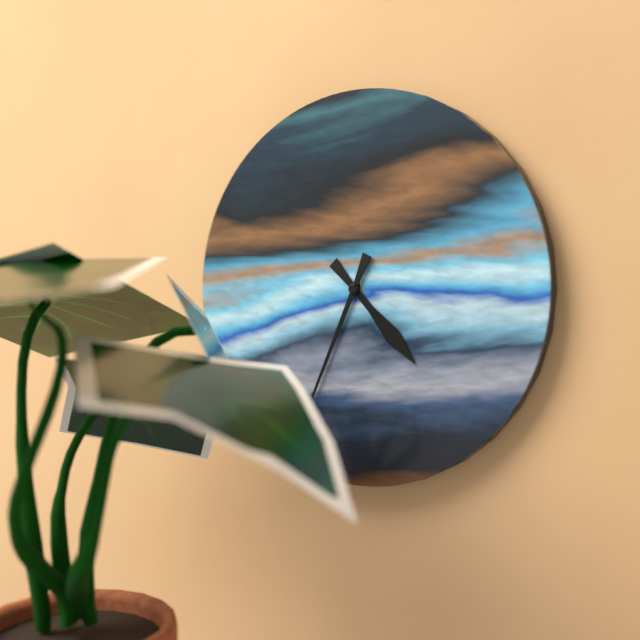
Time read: 4:34
